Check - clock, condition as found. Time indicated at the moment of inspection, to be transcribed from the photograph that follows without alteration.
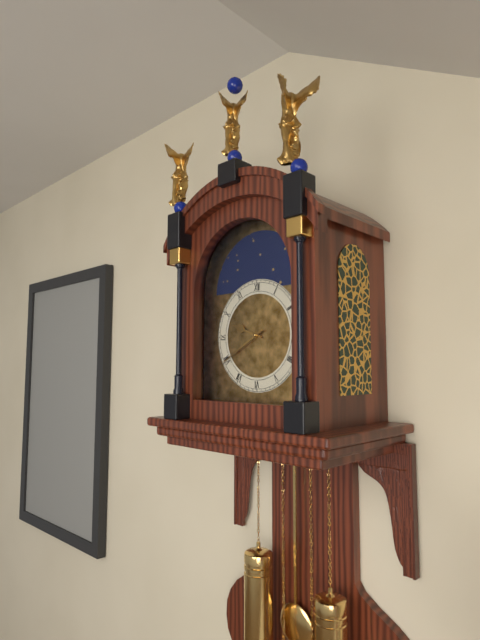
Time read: 9:40
